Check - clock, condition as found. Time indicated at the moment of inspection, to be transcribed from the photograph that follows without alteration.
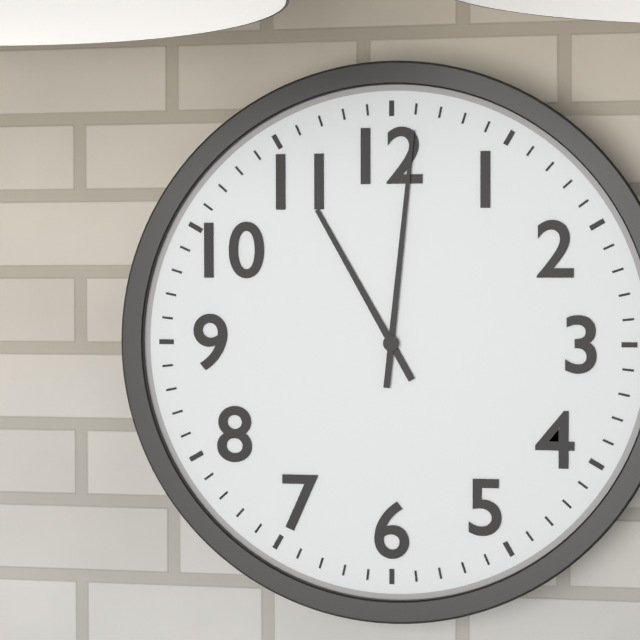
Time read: 11:01
